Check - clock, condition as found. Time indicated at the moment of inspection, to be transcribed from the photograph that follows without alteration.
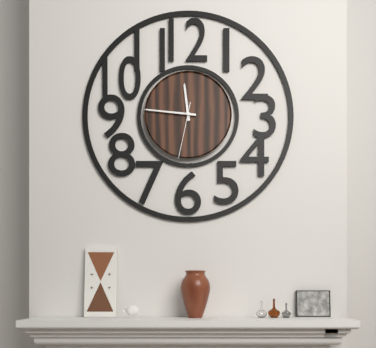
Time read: 11:46:32
